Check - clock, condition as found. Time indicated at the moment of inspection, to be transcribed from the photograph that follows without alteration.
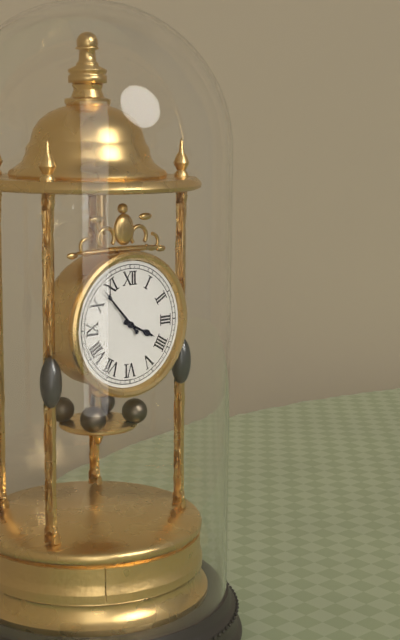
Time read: 3:53
